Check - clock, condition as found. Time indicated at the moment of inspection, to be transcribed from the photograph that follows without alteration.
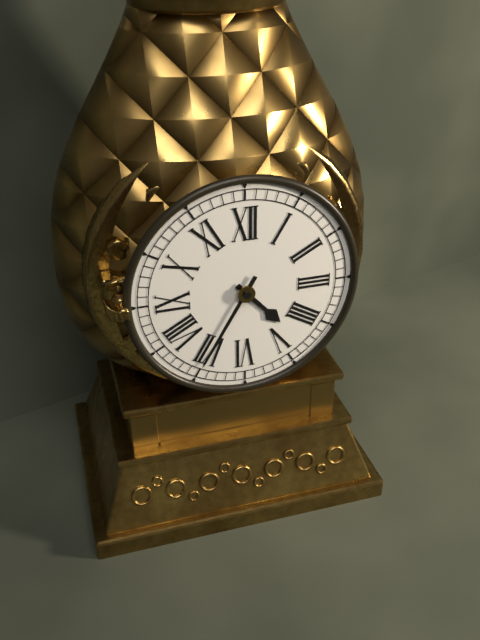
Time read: 4:35
